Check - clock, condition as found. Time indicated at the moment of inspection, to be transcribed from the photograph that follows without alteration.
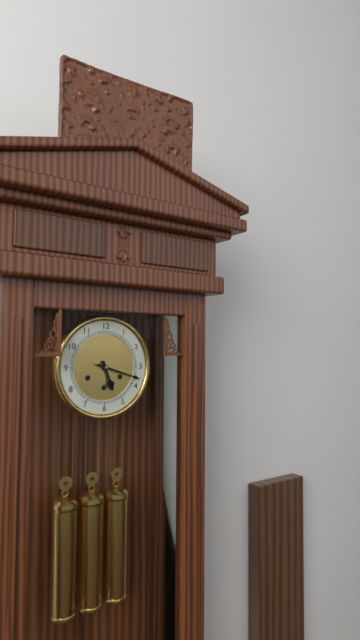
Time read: 5:18
